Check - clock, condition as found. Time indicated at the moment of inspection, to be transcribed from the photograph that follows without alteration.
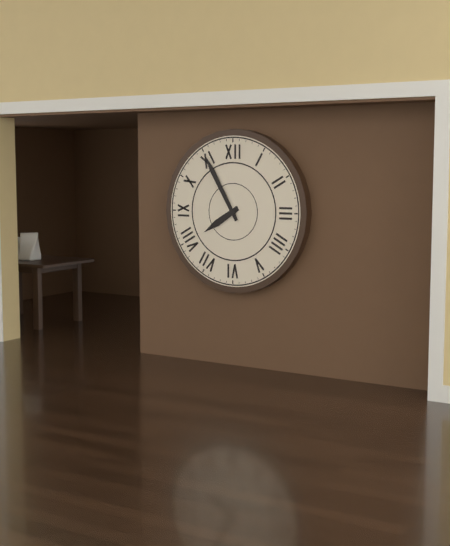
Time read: 7:55
